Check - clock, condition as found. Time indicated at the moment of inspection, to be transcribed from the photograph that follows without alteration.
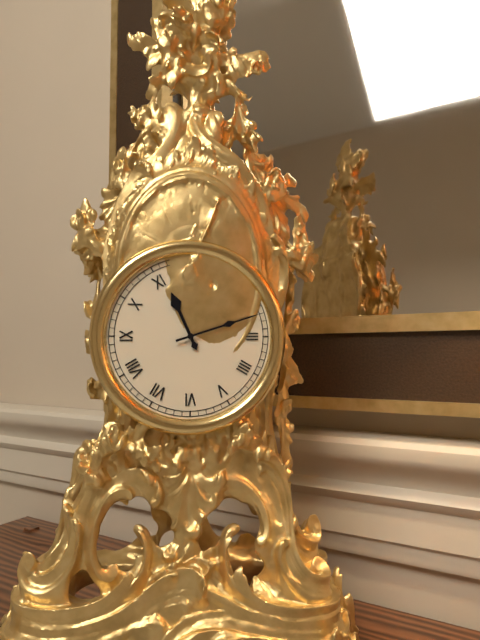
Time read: 11:12
